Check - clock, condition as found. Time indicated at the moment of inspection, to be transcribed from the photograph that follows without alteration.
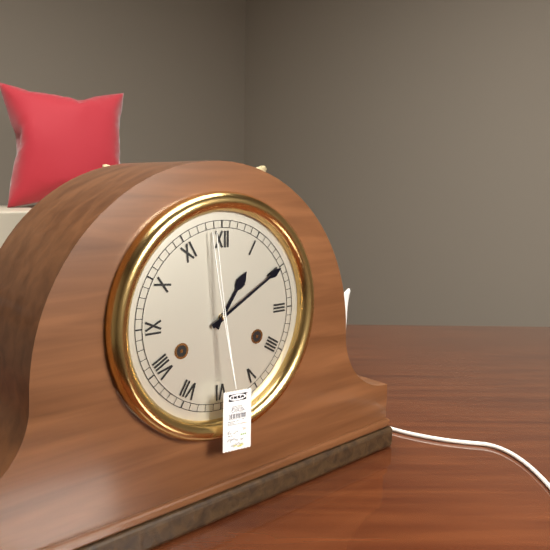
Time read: 1:10
